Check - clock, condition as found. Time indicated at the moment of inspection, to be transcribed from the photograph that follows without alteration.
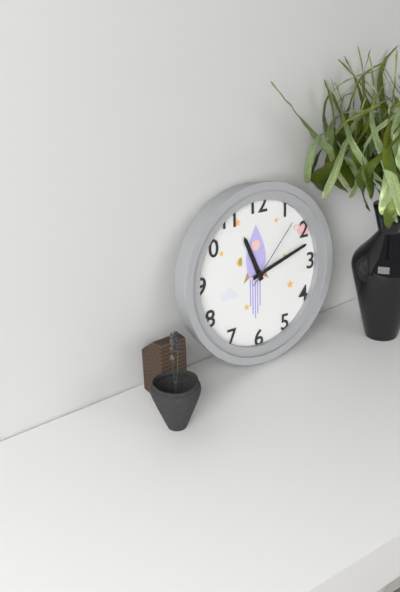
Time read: 11:12:07
